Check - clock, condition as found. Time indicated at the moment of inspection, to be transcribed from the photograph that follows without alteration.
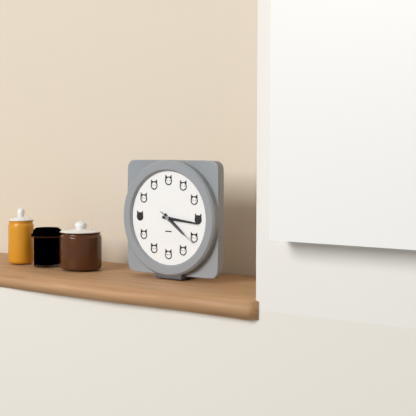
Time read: 4:16
